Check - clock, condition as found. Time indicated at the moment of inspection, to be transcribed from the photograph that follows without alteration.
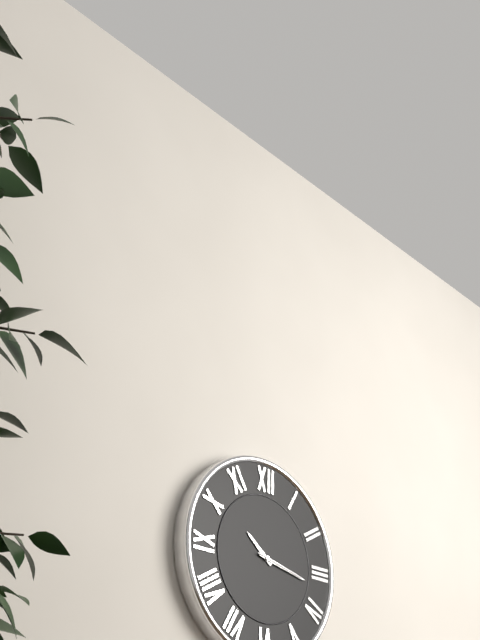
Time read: 10:17
